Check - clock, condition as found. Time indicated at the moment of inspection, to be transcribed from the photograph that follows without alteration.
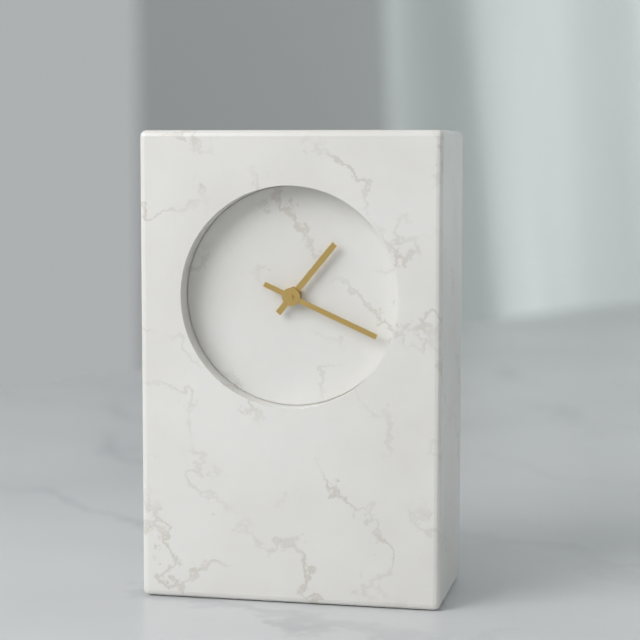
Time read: 1:19
